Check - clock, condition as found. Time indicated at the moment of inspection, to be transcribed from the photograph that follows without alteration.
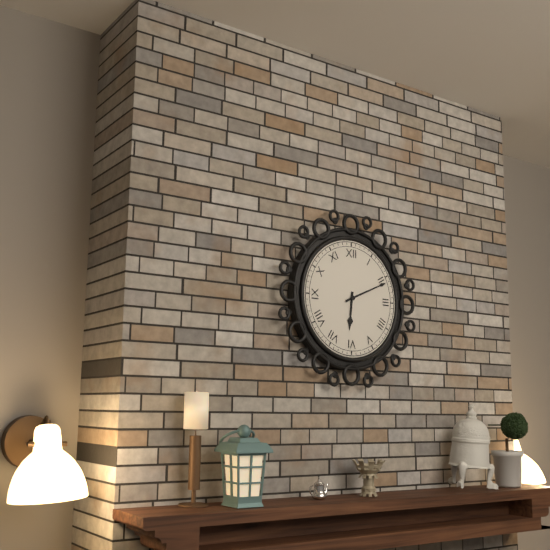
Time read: 6:11
